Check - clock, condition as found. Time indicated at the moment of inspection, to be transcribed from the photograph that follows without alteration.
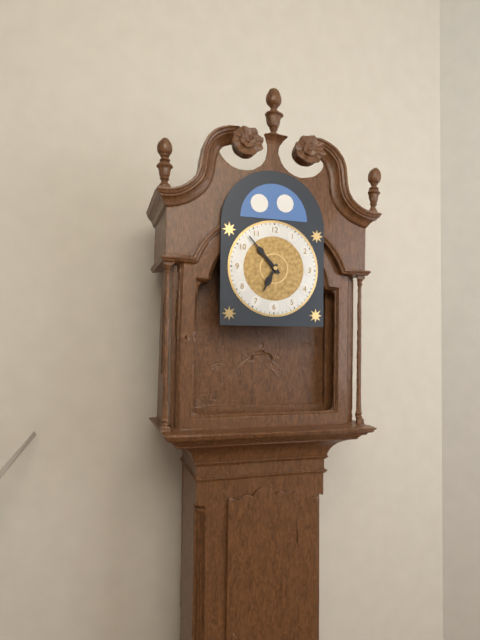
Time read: 6:53
